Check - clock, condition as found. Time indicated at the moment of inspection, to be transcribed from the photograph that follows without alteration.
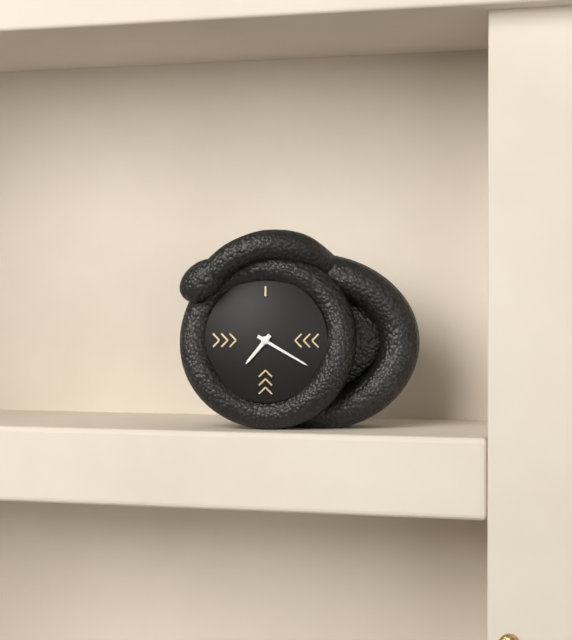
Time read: 7:20
